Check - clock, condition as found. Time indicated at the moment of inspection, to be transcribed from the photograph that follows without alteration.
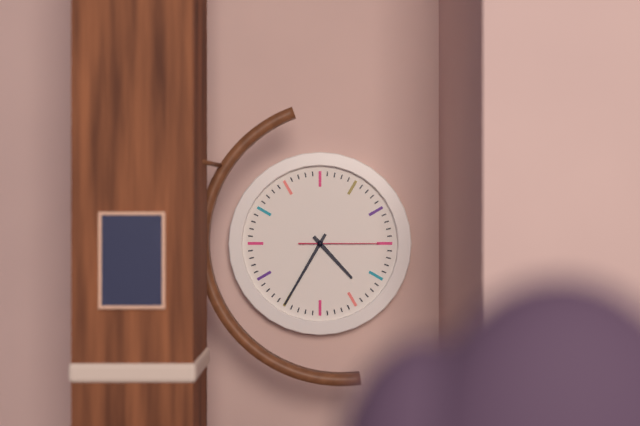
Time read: 4:35:15
